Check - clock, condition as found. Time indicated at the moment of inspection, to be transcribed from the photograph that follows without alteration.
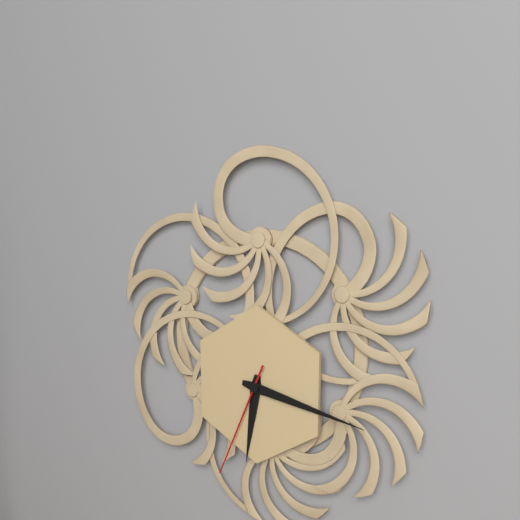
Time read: 6:17:34
